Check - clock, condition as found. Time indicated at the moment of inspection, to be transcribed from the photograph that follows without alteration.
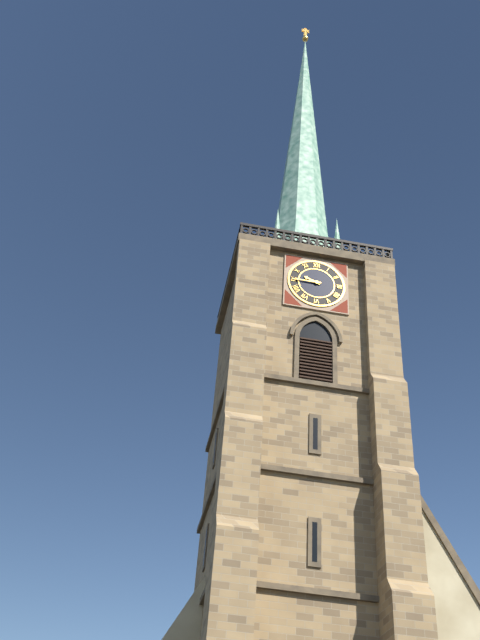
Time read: 9:45
